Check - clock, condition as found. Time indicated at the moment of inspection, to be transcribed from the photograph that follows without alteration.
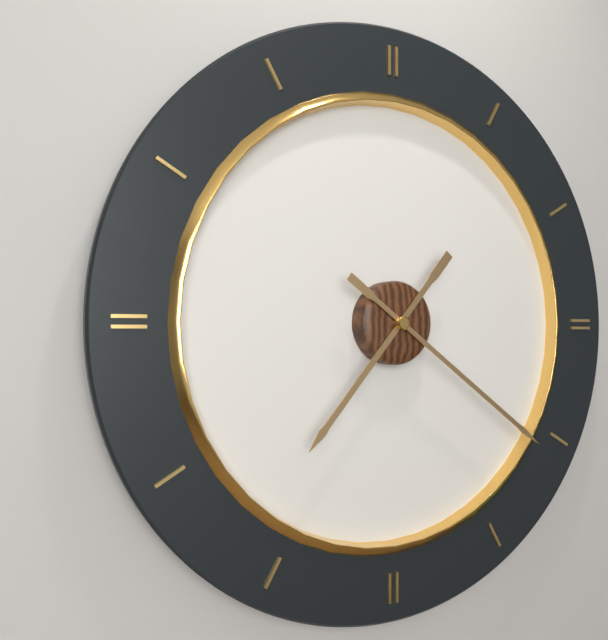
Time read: 7:21
